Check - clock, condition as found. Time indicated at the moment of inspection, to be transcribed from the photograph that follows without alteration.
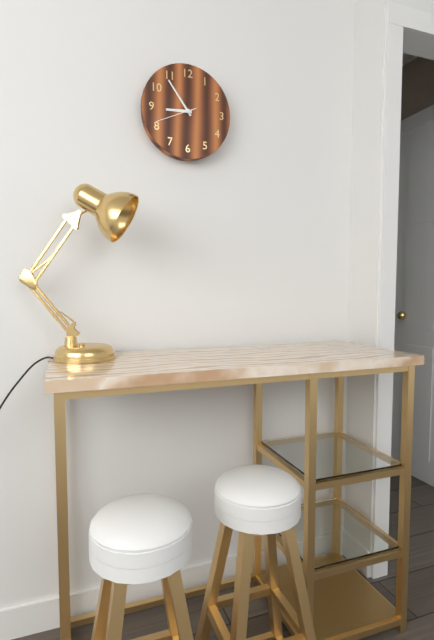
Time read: 8:54
